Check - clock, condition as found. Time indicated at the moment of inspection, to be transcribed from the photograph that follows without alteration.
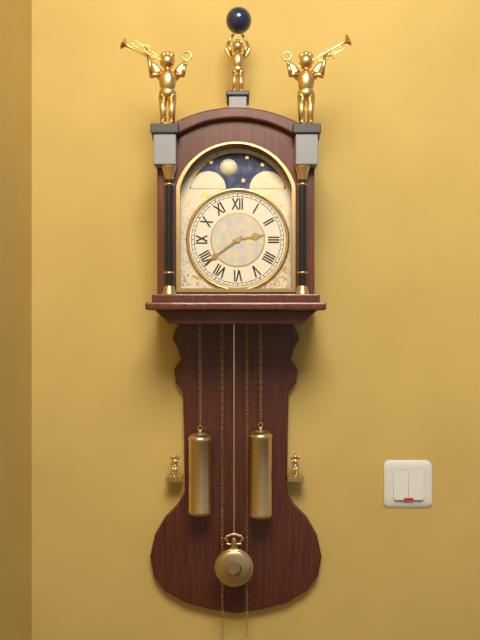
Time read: 2:39
